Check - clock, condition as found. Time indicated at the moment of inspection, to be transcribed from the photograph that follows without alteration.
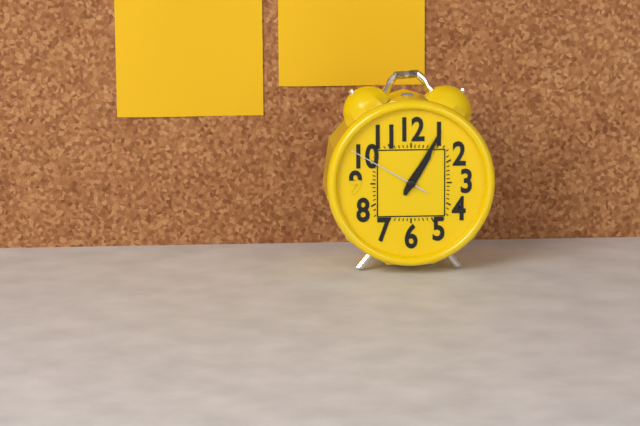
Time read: 1:05:50
